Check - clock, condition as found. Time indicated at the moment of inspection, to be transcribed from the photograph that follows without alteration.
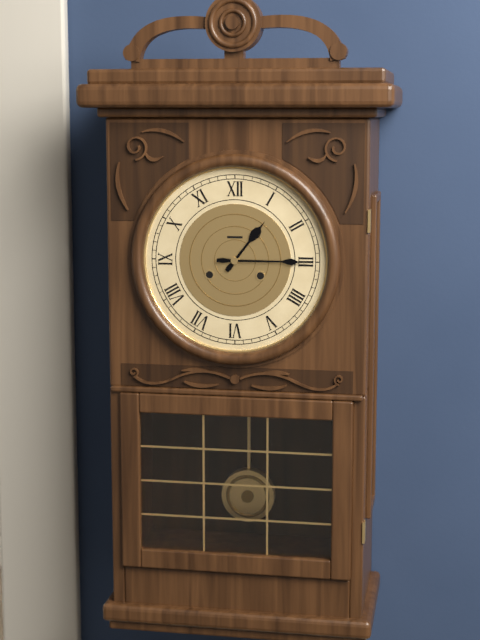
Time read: 1:15
